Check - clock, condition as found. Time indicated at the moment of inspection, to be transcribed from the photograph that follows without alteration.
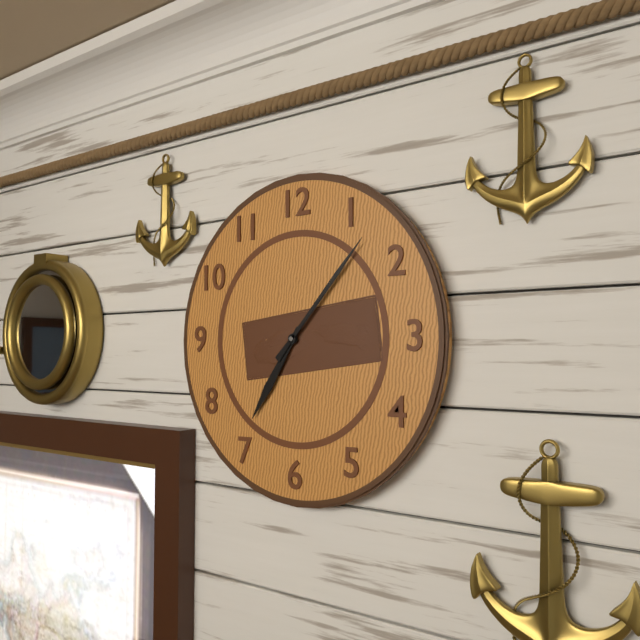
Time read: 7:07
